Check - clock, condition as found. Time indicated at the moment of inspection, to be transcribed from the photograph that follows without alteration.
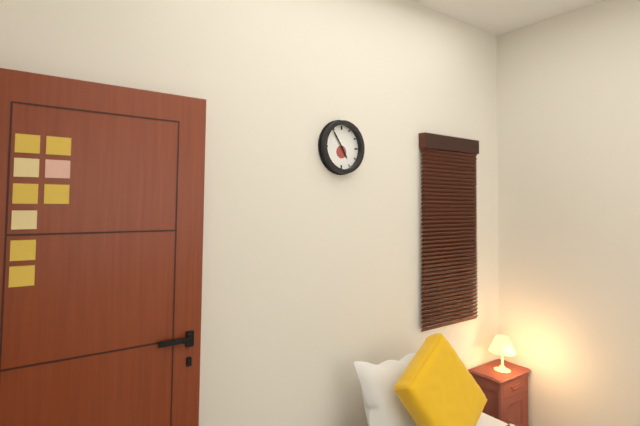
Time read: 4:54
